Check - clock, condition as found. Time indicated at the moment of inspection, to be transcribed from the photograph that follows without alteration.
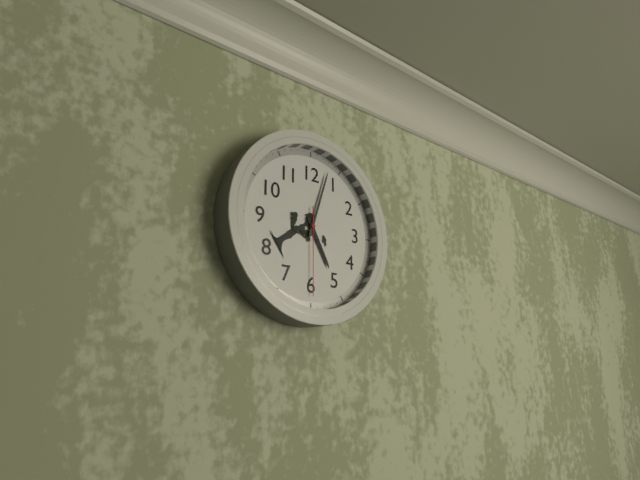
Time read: 5:03:30
